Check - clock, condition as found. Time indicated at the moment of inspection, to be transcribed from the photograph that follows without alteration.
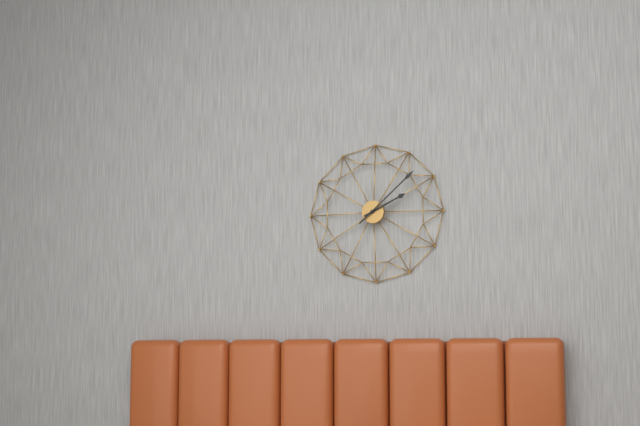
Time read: 2:08
